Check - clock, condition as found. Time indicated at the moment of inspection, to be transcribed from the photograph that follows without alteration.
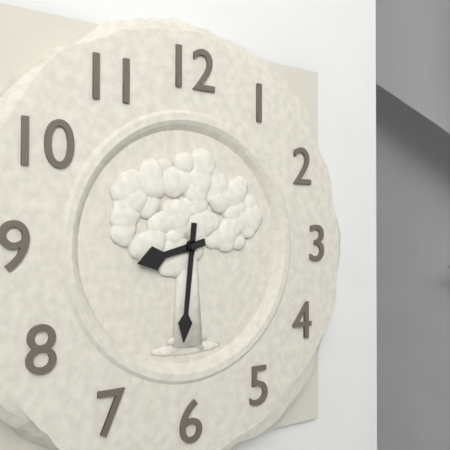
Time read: 8:31
